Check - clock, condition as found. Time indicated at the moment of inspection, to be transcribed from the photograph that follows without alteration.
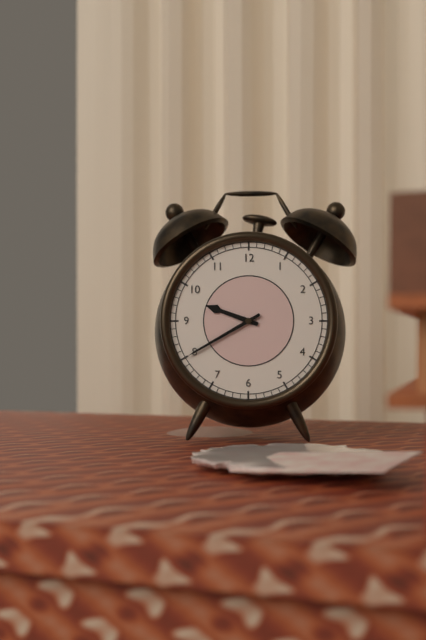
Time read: 9:40
